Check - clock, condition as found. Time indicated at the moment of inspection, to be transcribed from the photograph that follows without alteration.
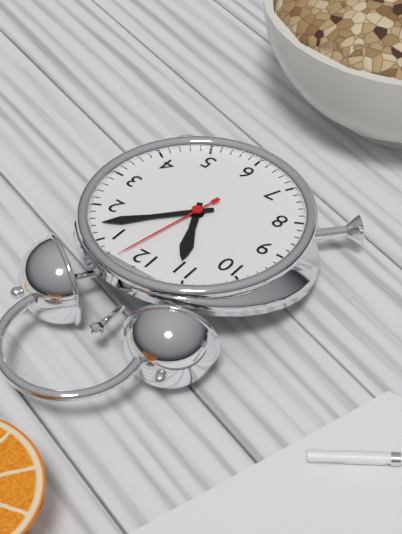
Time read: 11:07:02
